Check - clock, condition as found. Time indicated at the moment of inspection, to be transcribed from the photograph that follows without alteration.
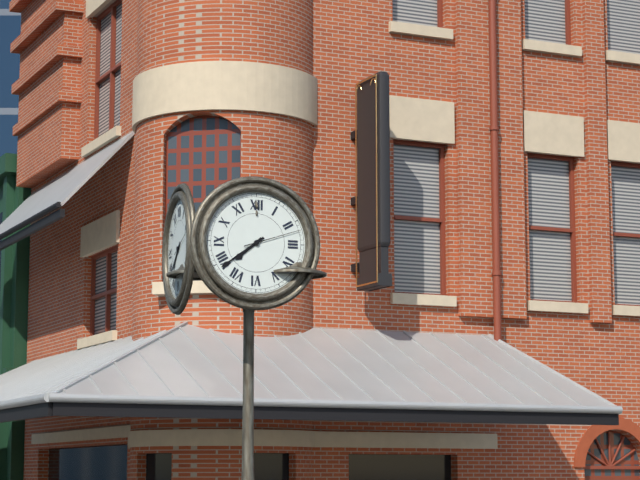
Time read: 7:39:12
